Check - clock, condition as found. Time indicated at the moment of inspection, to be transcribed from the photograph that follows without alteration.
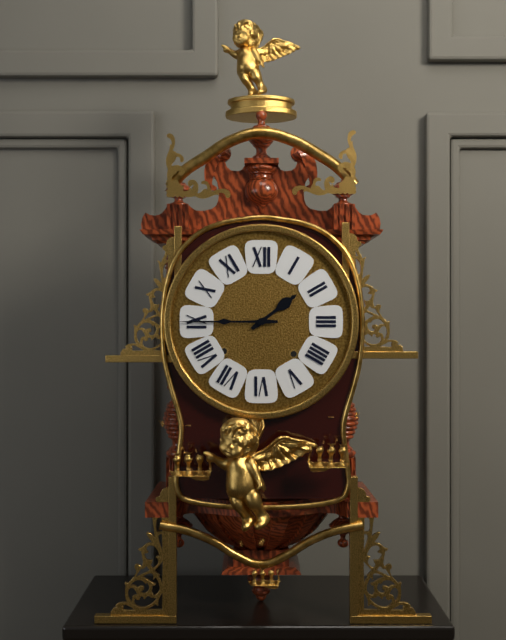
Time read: 1:45
